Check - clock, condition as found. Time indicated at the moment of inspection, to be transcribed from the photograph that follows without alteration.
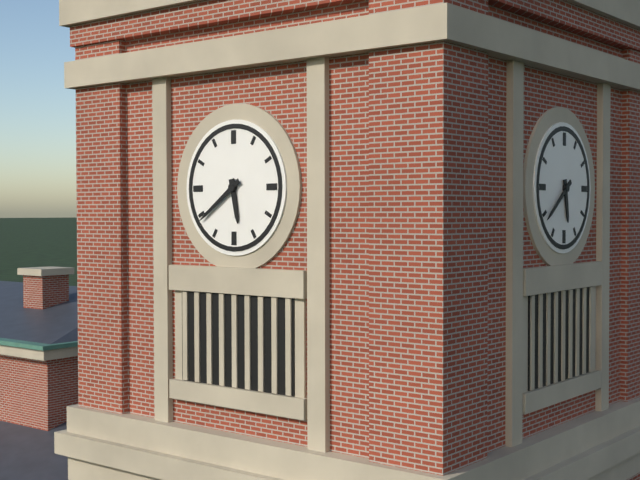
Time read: 5:39
